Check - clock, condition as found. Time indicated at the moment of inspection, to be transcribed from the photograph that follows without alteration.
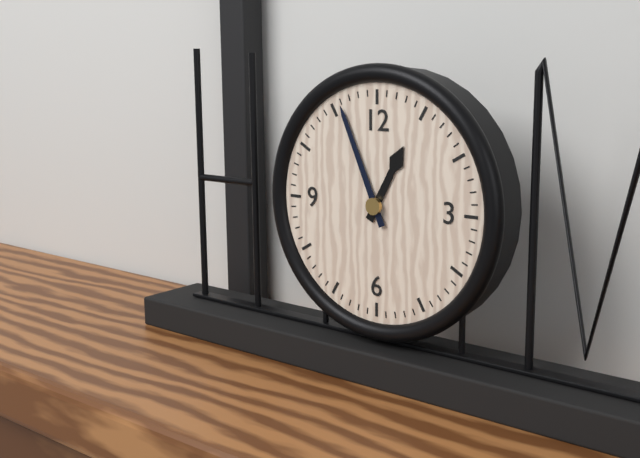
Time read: 12:56
